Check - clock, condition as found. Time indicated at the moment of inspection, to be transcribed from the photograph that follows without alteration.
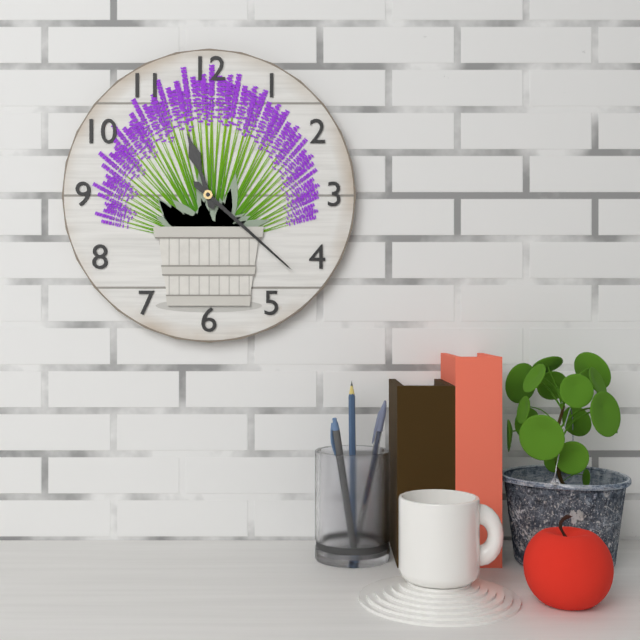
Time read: 11:22
